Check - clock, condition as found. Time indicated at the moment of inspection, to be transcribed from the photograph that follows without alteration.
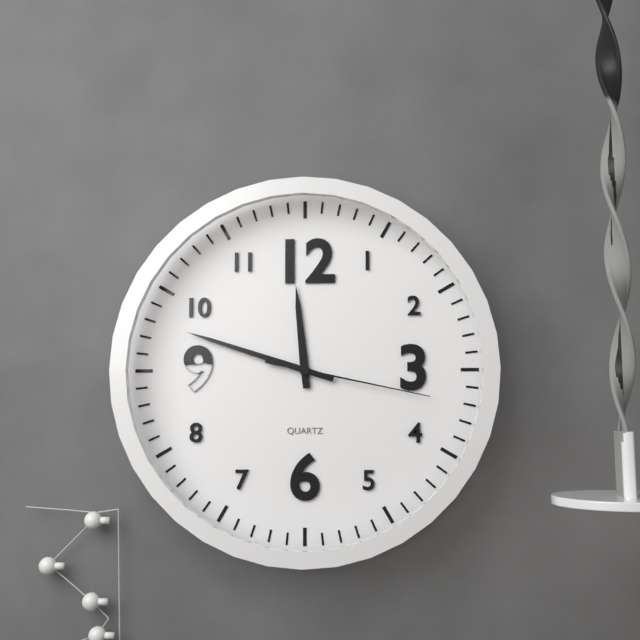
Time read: 11:48:17
